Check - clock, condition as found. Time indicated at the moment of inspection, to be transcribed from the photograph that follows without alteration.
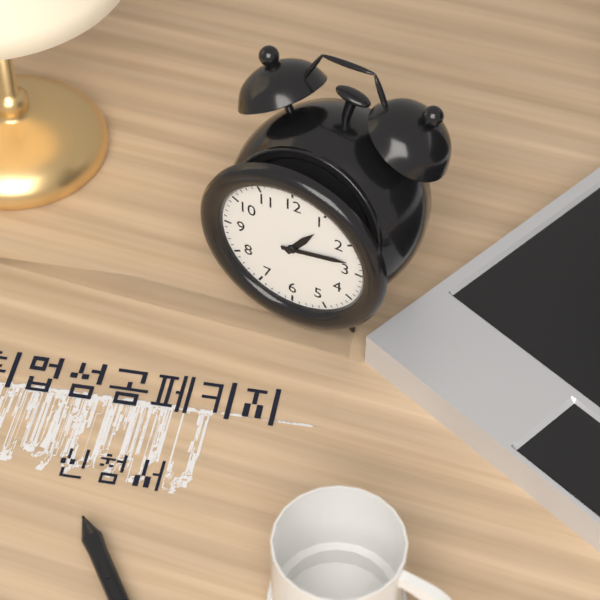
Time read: 1:13
